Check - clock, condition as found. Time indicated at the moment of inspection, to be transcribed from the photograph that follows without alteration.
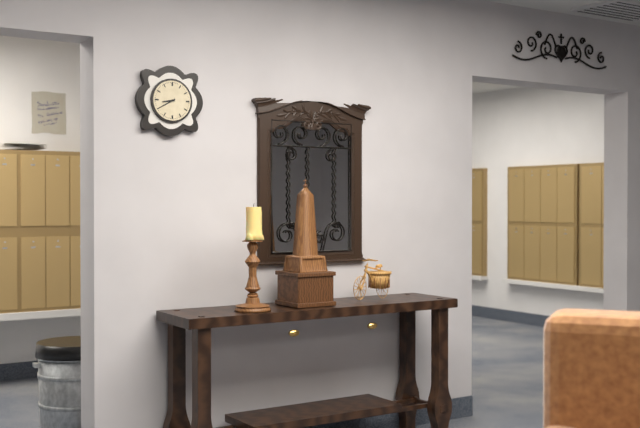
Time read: 8:40
